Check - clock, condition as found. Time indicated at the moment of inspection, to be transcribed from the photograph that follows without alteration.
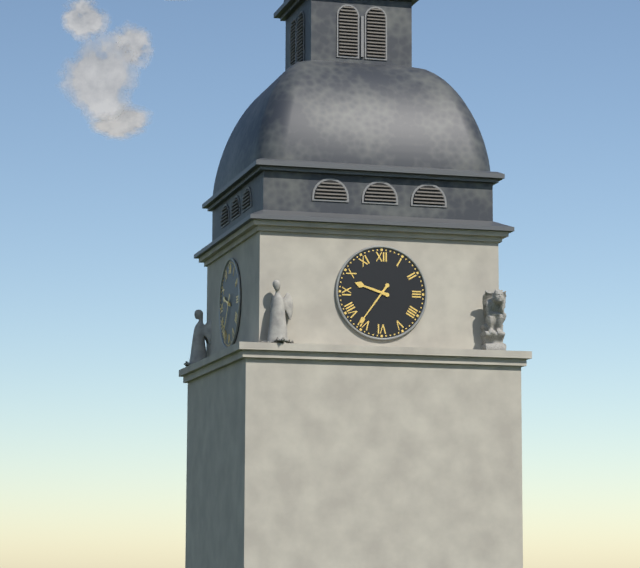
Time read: 9:36
